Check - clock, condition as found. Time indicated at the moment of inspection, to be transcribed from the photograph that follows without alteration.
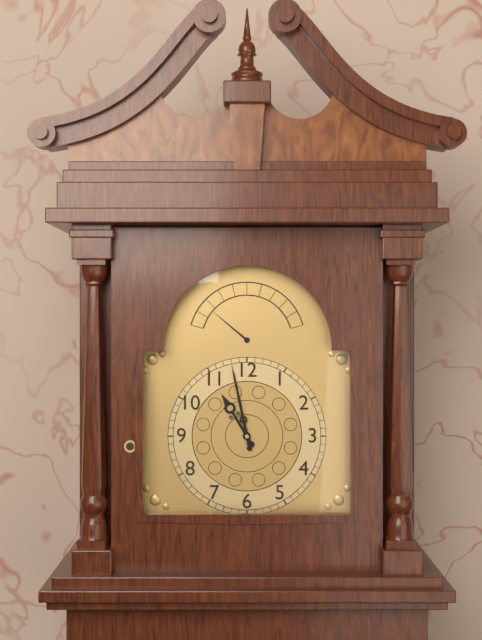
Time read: 10:58
